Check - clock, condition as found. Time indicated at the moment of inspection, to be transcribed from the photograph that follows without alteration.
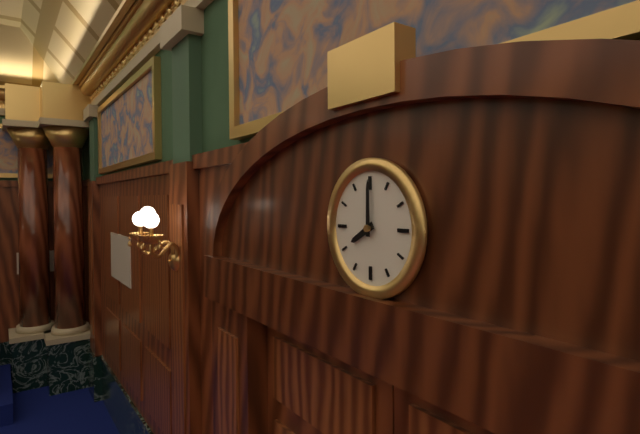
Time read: 8:00
